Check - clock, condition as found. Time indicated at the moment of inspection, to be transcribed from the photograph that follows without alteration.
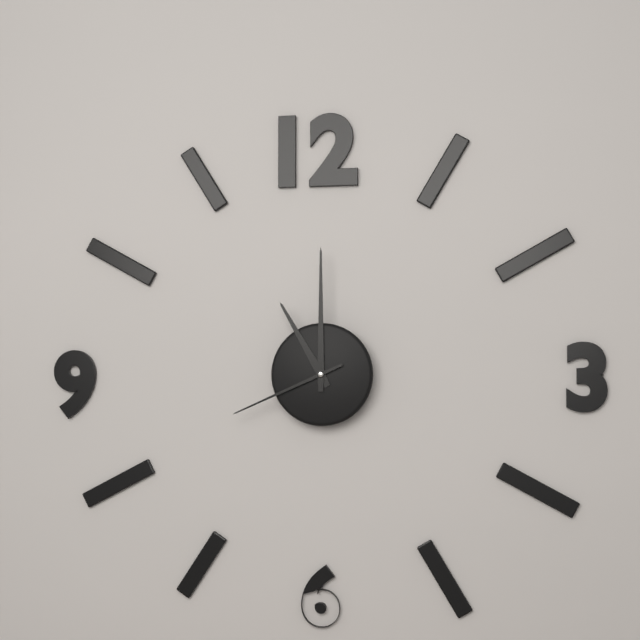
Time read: 11:00:41
